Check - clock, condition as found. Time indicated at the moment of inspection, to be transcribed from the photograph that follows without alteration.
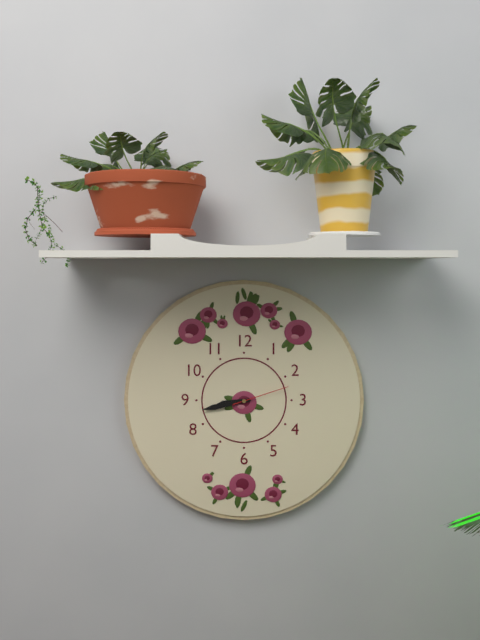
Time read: 8:43:12
